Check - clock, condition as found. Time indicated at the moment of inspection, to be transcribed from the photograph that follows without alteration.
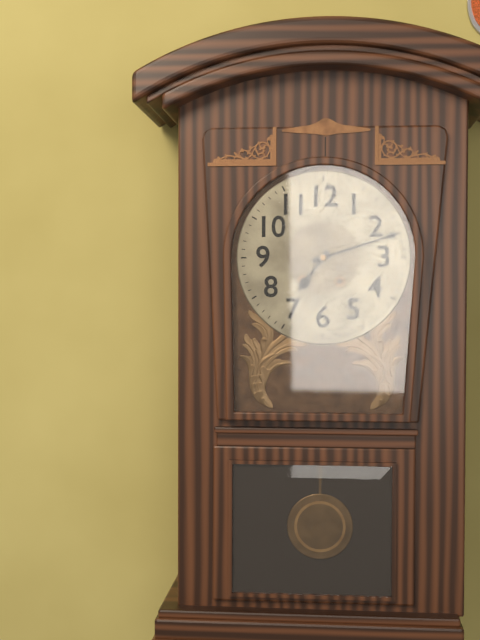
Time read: 7:12
